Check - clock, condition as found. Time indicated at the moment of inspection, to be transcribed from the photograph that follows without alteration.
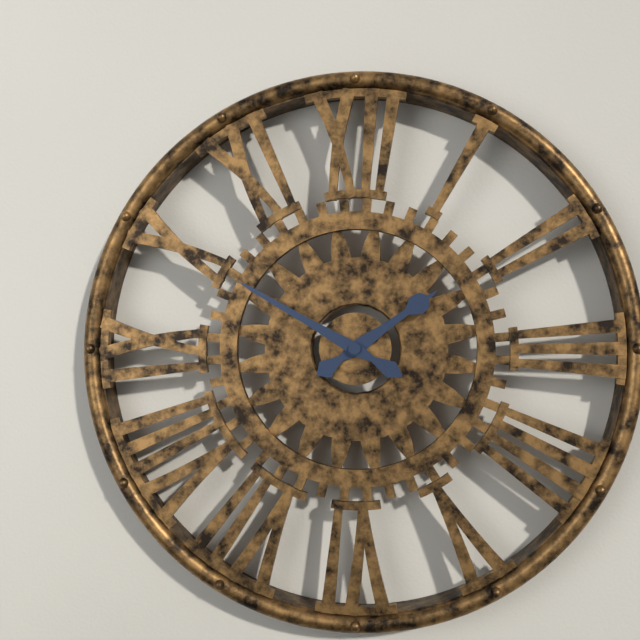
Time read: 1:50
